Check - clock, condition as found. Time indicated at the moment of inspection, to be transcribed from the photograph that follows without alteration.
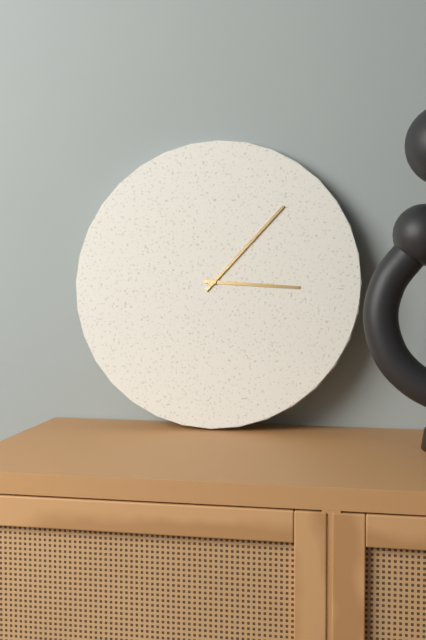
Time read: 3:07
